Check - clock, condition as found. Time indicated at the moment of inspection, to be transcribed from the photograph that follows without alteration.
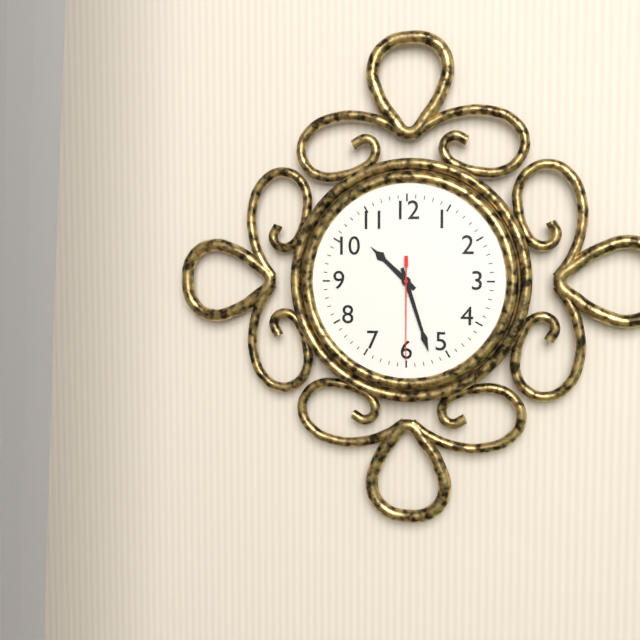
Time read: 10:27:30
